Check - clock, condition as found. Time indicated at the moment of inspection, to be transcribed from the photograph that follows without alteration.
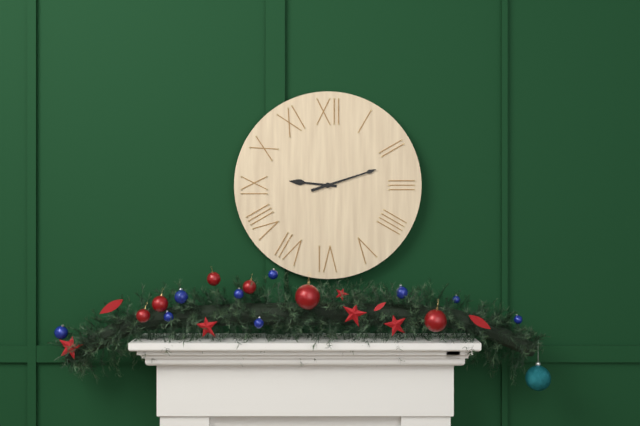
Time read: 9:12
